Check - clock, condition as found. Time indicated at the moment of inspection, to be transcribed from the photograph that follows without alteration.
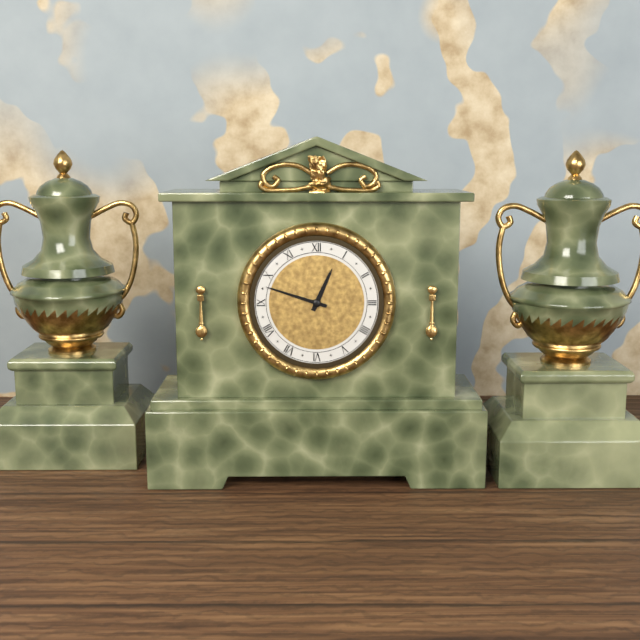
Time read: 12:48
